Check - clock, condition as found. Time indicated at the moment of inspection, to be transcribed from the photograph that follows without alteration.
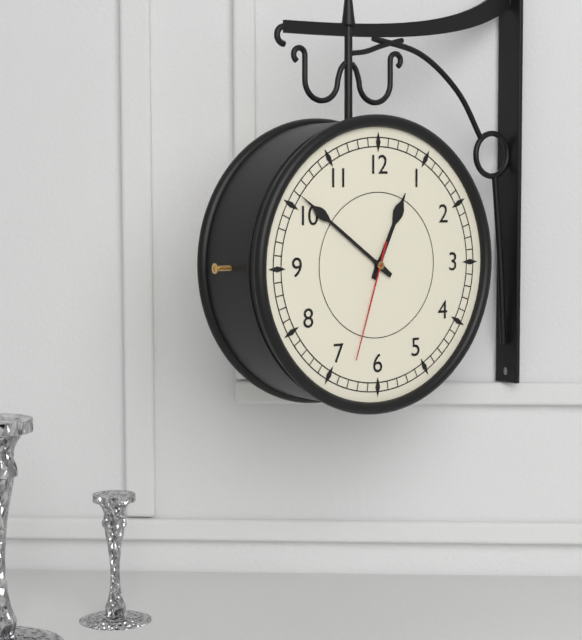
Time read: 12:51:33
